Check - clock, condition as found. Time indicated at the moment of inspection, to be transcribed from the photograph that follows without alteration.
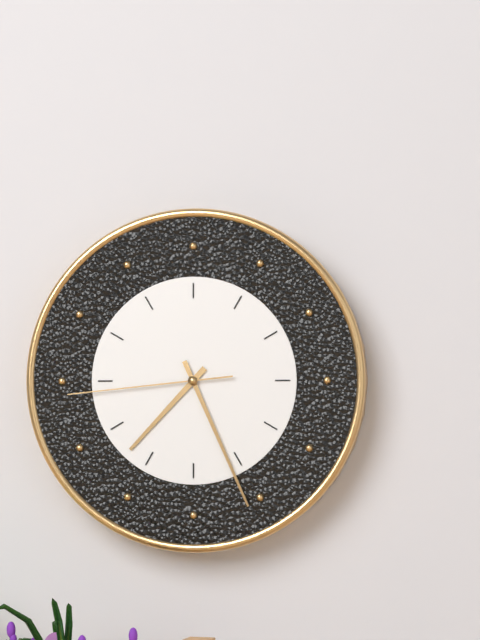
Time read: 7:26:44
